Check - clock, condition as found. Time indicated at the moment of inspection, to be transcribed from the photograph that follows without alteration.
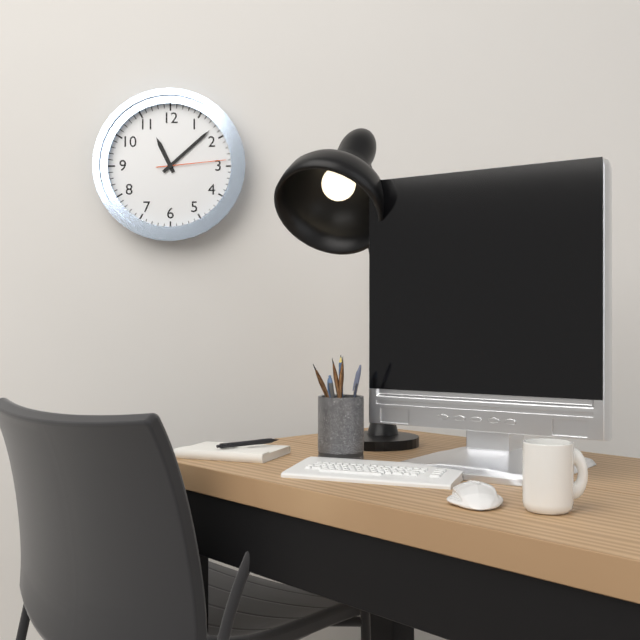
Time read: 11:08:14
